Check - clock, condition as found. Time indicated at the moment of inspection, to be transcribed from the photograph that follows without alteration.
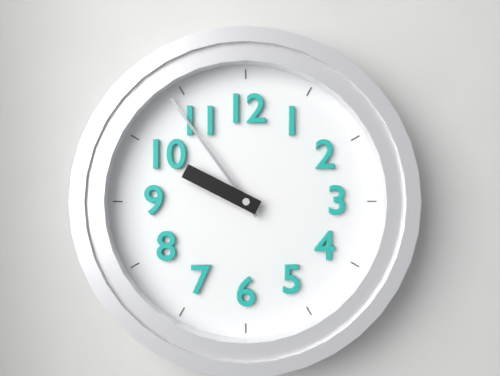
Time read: 9:54
